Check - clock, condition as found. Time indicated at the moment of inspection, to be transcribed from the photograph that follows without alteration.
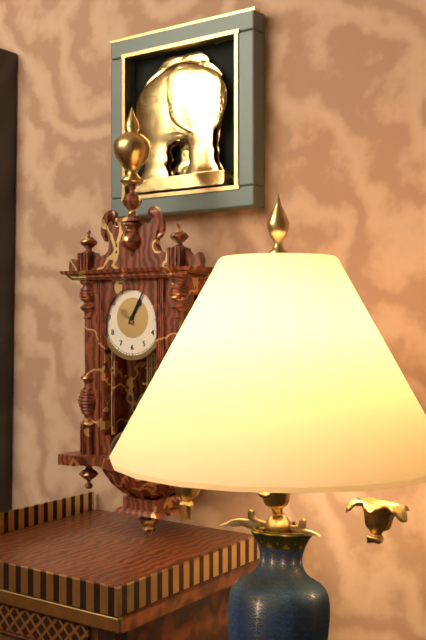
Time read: 1:05
